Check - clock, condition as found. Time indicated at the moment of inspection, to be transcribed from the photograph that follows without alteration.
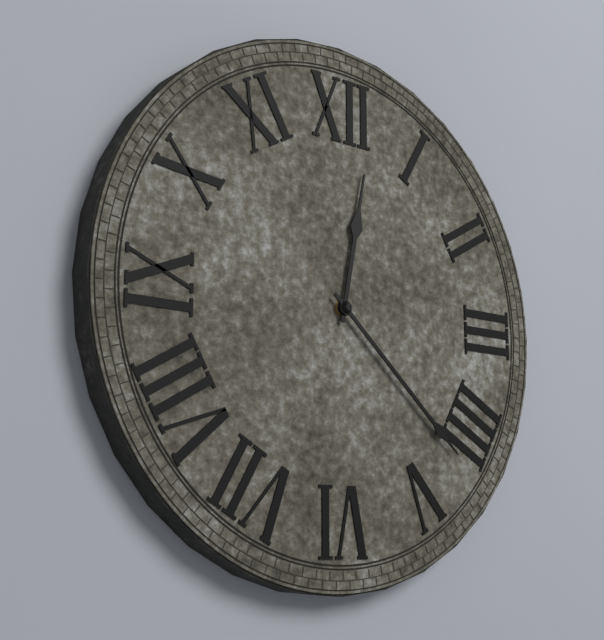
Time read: 12:22
